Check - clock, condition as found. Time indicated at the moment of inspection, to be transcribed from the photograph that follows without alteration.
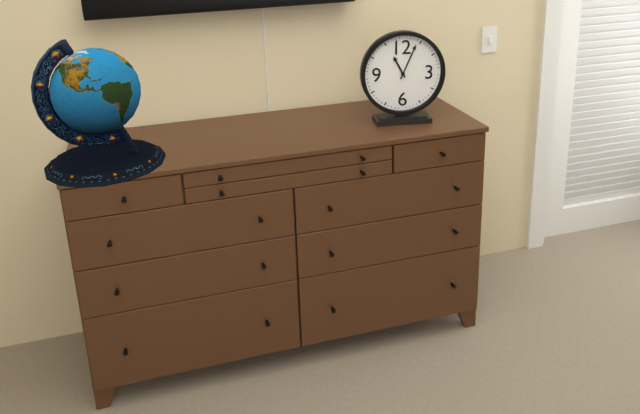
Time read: 11:04
